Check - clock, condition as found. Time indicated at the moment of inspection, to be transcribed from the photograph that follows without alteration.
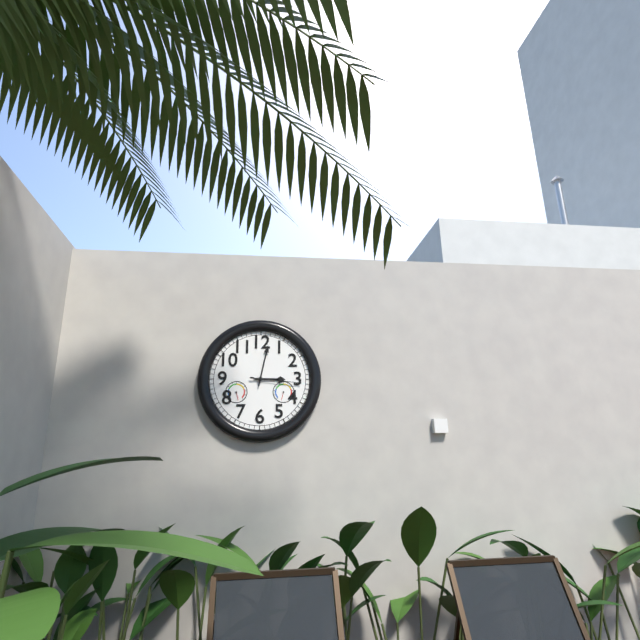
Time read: 3:02:16
